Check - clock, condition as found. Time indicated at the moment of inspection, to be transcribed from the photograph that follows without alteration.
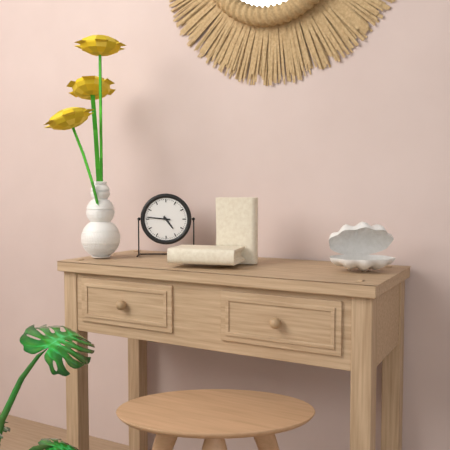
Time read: 4:46
